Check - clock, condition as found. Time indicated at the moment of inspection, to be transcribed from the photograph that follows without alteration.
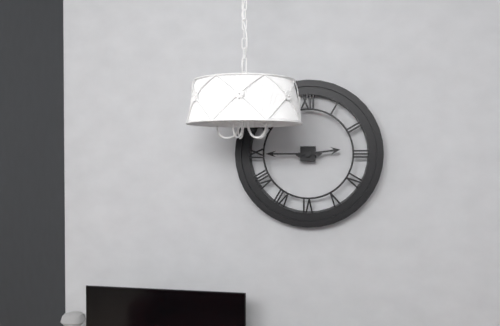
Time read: 2:45
